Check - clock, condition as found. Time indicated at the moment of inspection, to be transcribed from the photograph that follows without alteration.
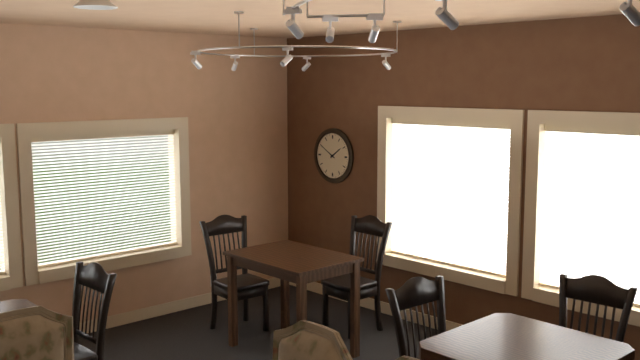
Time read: 1:50
